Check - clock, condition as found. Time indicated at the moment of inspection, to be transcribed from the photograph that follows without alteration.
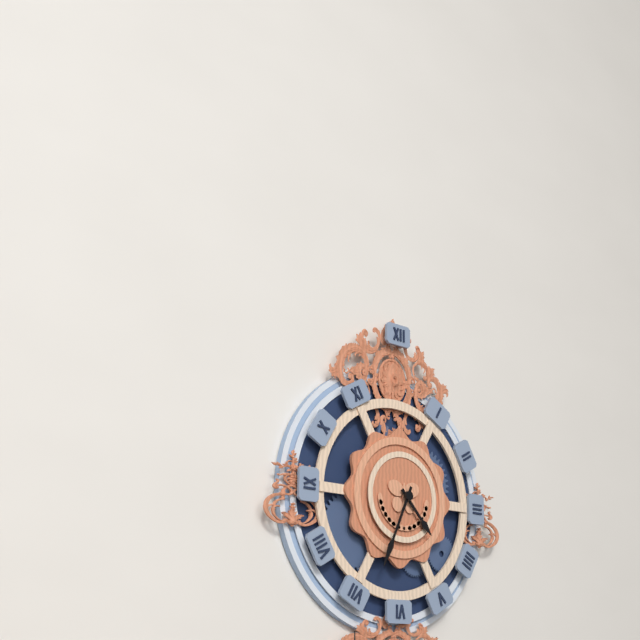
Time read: 4:34
